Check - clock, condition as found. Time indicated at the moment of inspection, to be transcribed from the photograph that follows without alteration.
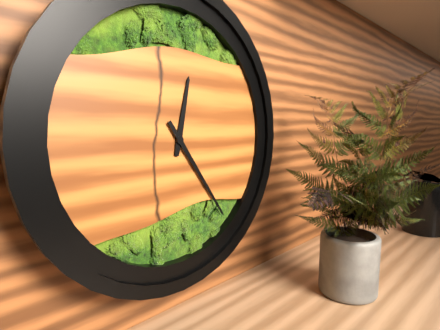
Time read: 12:24
